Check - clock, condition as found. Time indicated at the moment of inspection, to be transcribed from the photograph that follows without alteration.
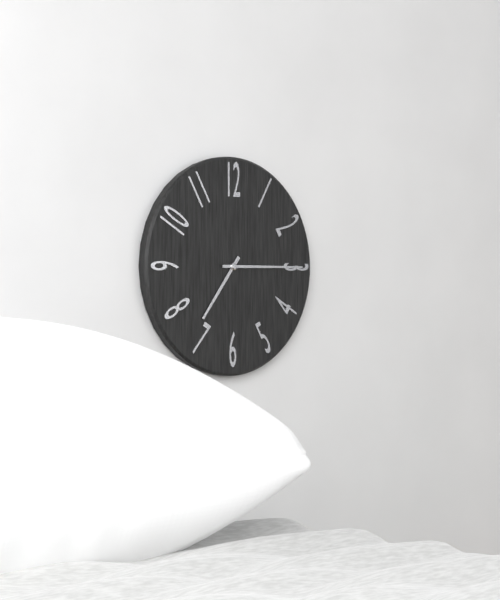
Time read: 7:15
